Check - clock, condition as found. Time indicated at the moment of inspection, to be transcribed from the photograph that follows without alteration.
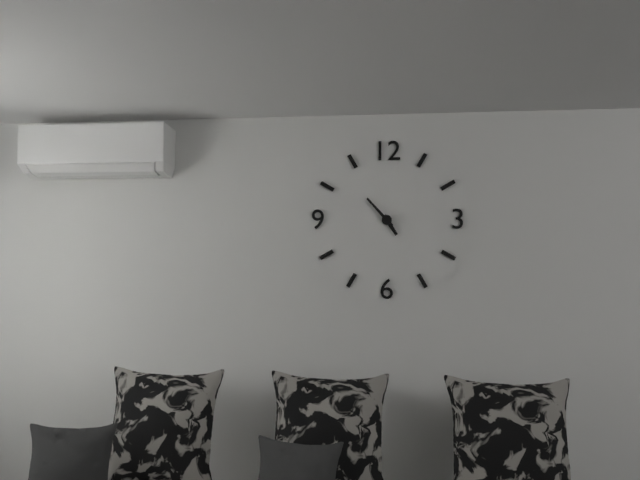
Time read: 4:53
